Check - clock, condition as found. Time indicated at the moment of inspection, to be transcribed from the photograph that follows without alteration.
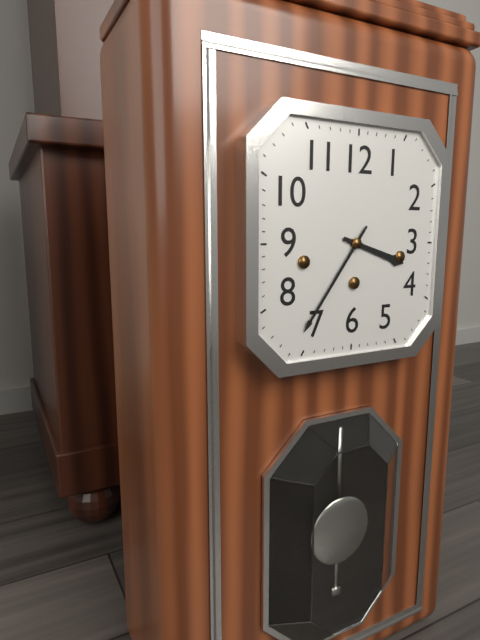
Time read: 3:36
